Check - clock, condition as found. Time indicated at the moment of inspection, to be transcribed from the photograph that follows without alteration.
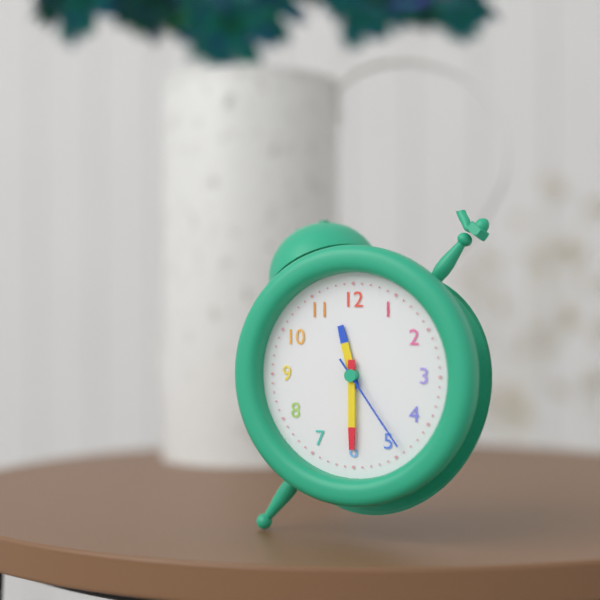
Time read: 11:30:24
